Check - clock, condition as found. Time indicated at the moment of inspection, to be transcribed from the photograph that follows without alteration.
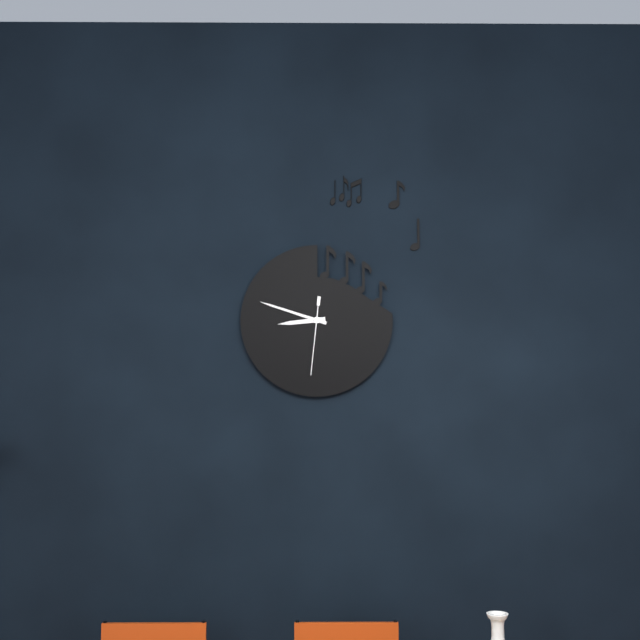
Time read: 8:48:31
